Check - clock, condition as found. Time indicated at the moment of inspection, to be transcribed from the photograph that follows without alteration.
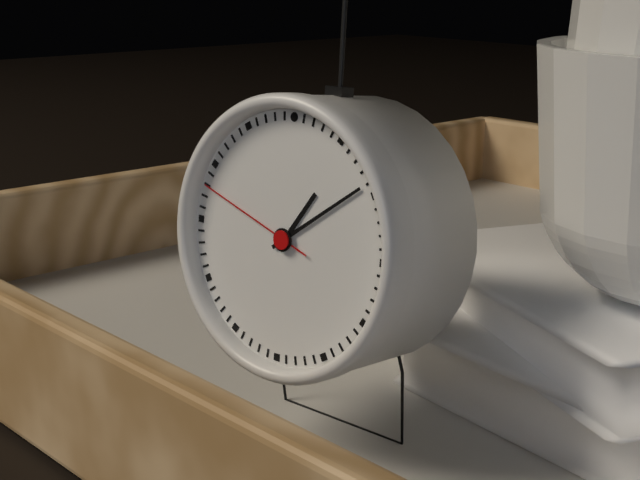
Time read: 1:09:48
